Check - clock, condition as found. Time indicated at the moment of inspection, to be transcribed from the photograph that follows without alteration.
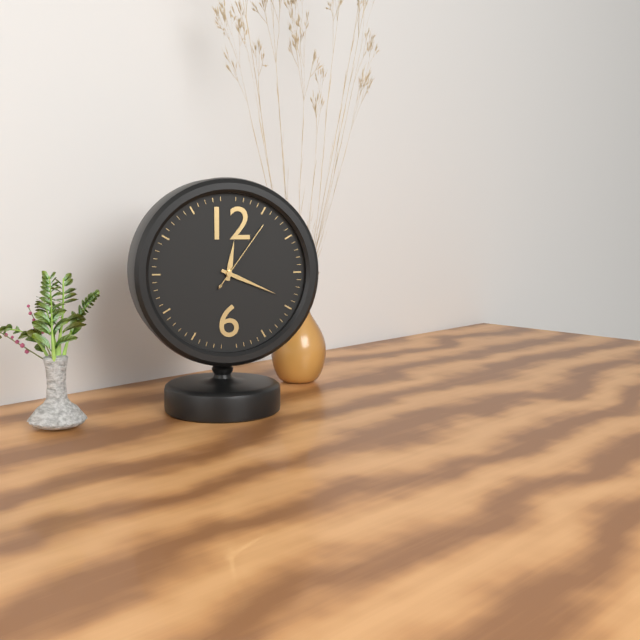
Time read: 12:19:06
